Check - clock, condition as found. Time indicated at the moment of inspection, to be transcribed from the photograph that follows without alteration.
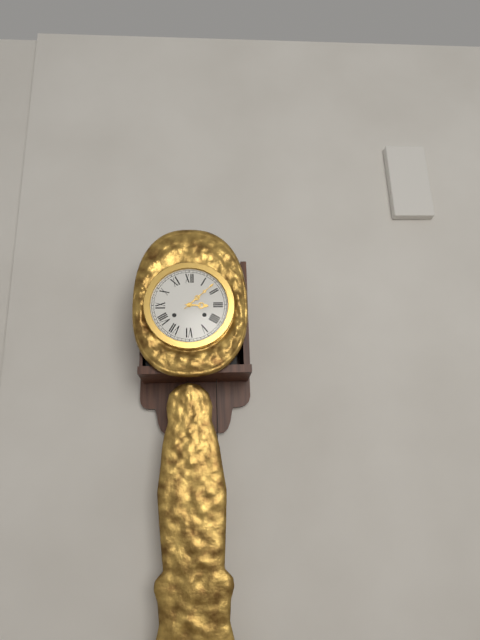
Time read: 3:08
